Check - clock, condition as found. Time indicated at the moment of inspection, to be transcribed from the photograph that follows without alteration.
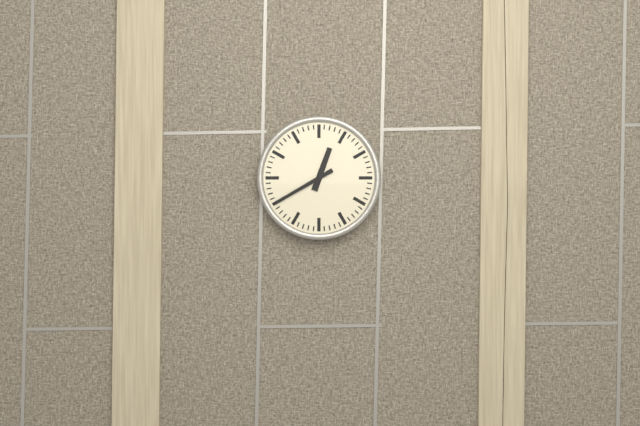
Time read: 12:40
